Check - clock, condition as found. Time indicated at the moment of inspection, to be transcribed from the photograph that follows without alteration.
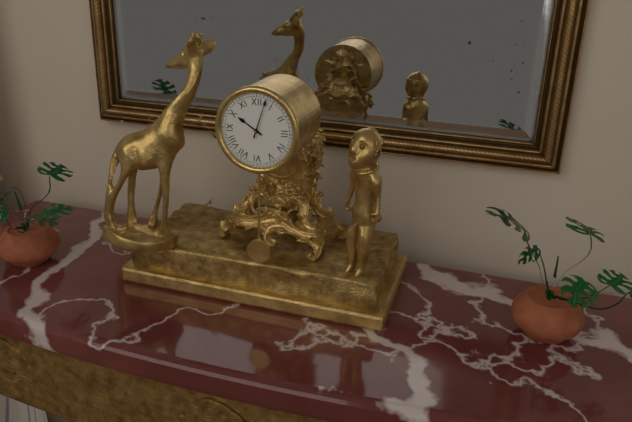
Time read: 10:03
